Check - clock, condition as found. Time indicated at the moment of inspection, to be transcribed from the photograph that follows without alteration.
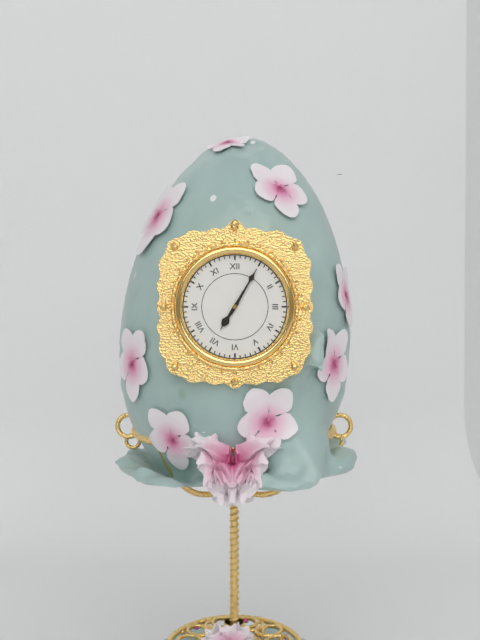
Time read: 7:05
